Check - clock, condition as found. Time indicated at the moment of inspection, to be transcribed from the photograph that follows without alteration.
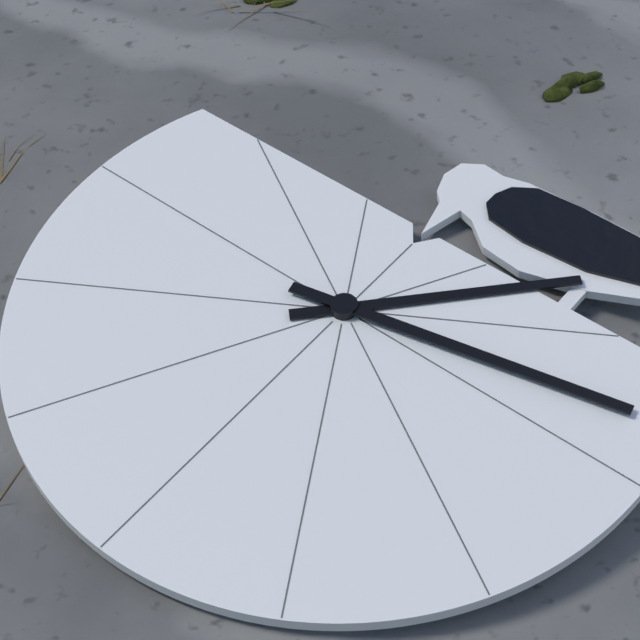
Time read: 4:28
